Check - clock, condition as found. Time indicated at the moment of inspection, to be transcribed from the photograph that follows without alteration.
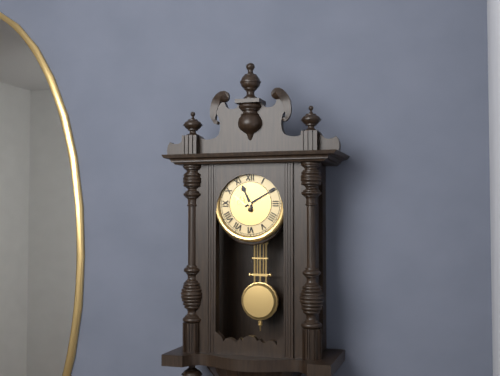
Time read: 11:10
